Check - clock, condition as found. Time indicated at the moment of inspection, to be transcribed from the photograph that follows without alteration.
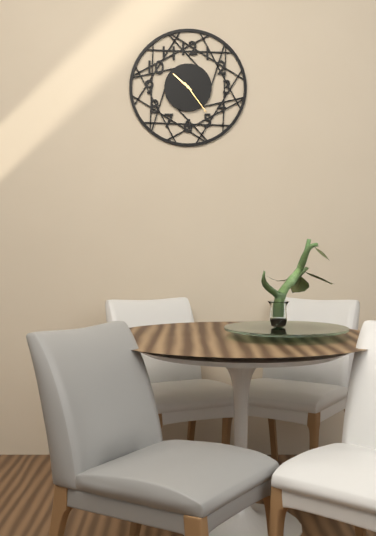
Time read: 10:24
